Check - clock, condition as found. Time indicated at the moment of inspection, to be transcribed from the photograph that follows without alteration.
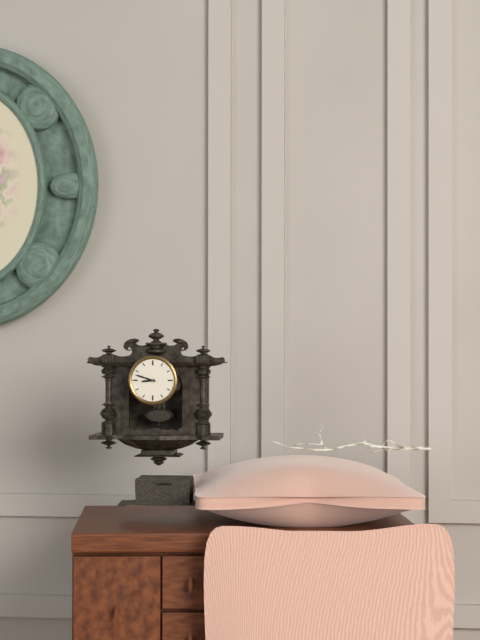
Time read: 8:48
